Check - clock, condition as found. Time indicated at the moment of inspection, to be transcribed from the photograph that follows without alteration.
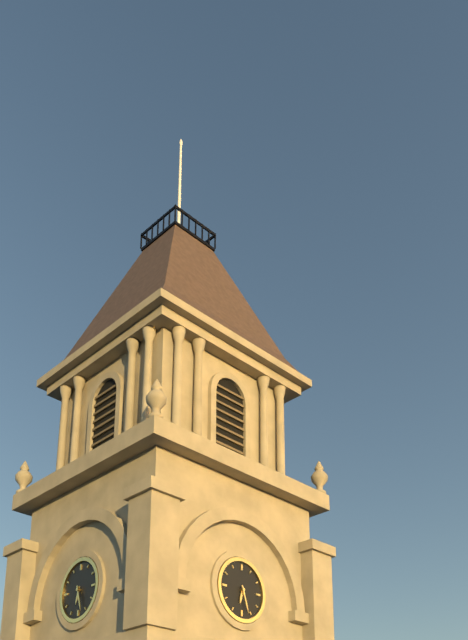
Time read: 6:27
